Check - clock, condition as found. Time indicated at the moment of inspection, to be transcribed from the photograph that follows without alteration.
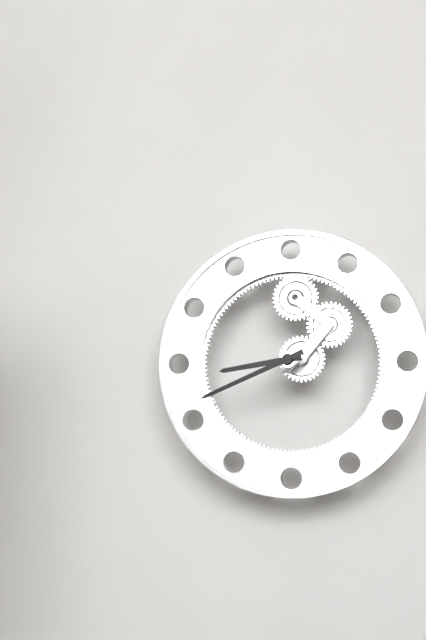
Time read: 8:41
